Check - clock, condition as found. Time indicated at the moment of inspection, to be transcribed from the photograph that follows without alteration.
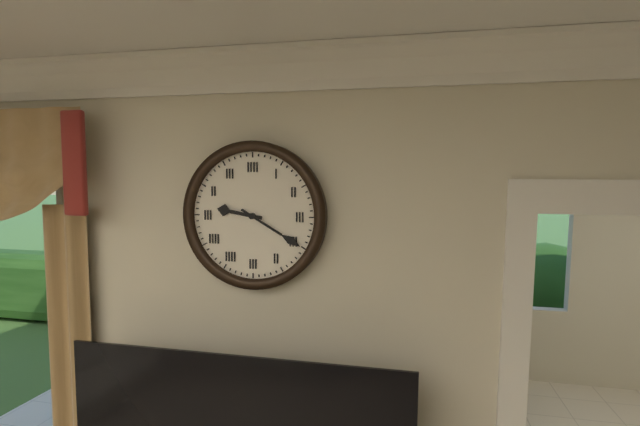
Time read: 9:20
